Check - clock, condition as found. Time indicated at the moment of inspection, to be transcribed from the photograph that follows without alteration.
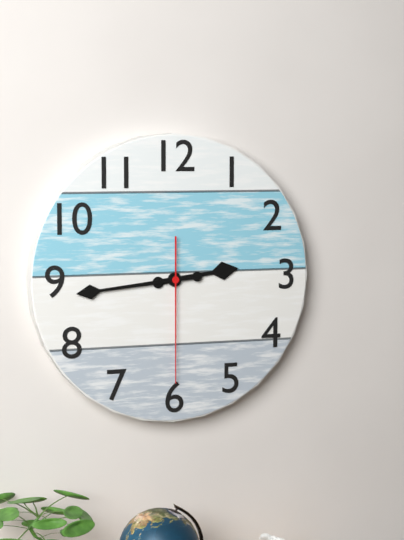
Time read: 2:44:30
